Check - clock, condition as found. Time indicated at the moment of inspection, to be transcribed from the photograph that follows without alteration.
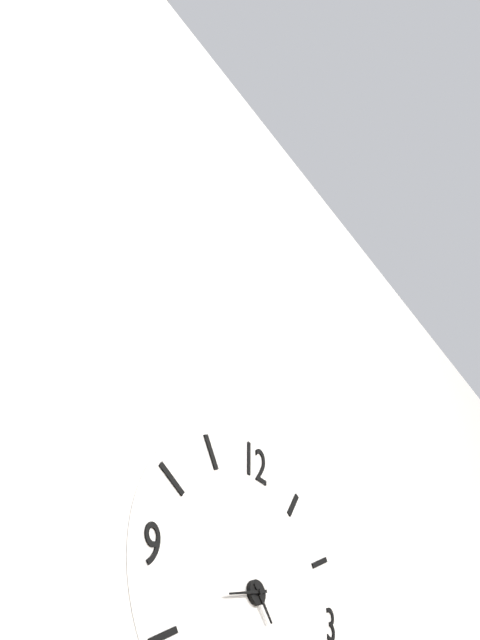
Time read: 4:42
